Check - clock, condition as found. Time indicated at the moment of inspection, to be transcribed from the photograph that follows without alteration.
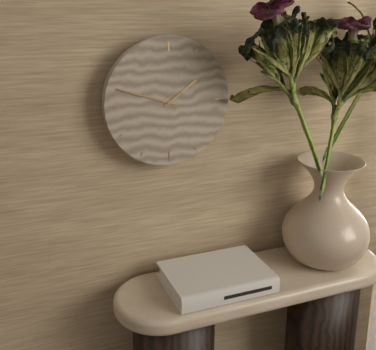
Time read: 1:48
